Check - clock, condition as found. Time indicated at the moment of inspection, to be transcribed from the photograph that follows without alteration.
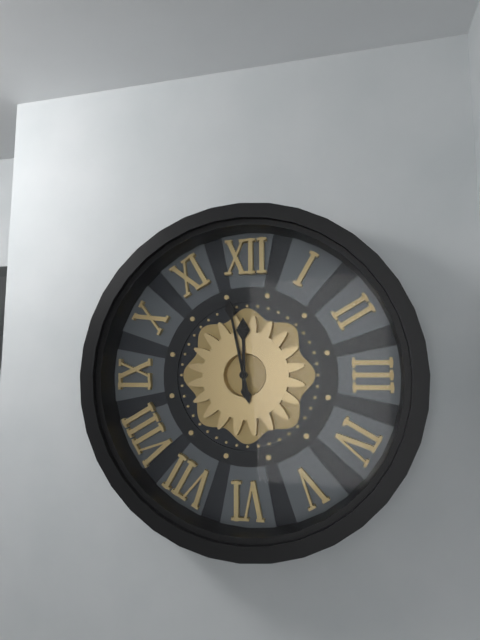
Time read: 11:58
